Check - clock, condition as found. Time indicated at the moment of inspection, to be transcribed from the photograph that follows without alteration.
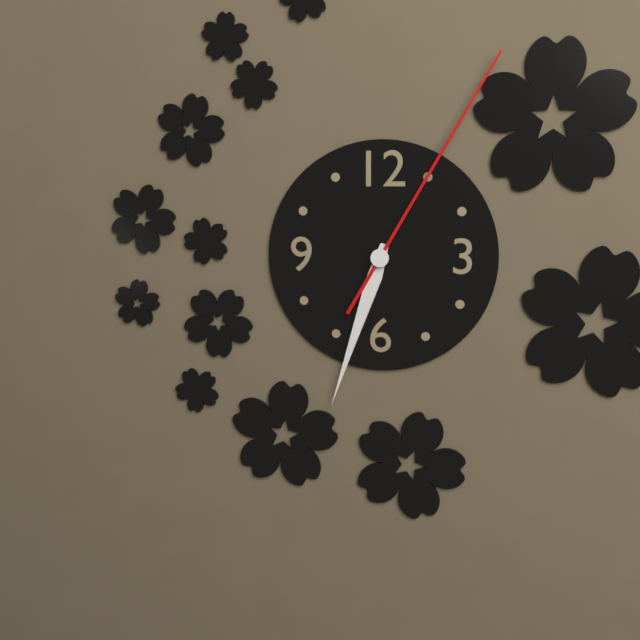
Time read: 6:33:05
